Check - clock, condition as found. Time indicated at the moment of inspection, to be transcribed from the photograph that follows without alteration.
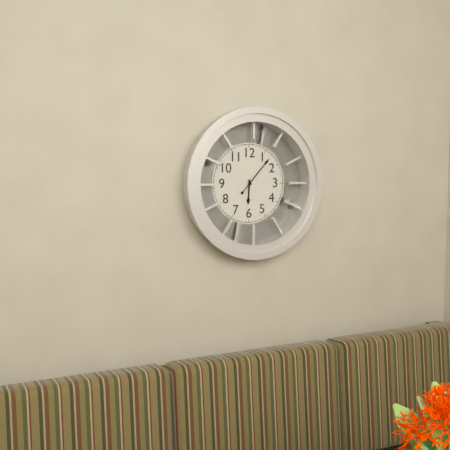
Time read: 6:07
